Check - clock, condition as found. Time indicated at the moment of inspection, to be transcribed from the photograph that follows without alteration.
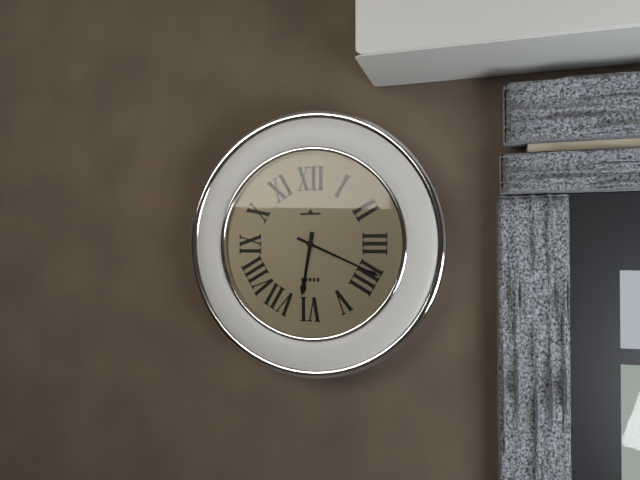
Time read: 6:19
